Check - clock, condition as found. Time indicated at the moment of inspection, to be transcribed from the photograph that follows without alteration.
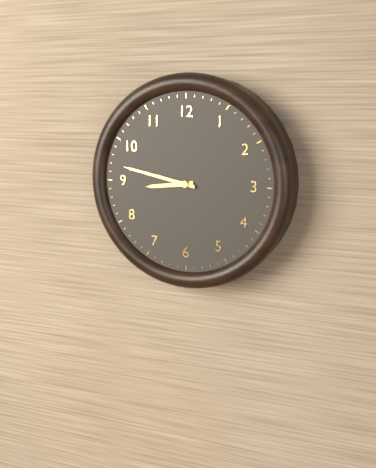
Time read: 8:47
